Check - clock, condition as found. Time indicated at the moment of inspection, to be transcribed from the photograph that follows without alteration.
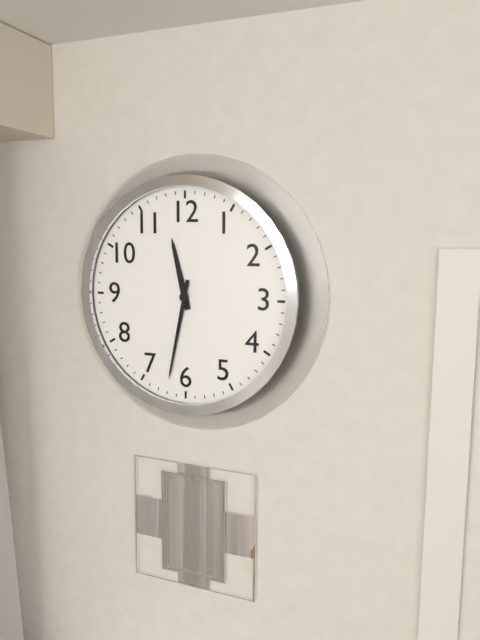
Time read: 11:32
